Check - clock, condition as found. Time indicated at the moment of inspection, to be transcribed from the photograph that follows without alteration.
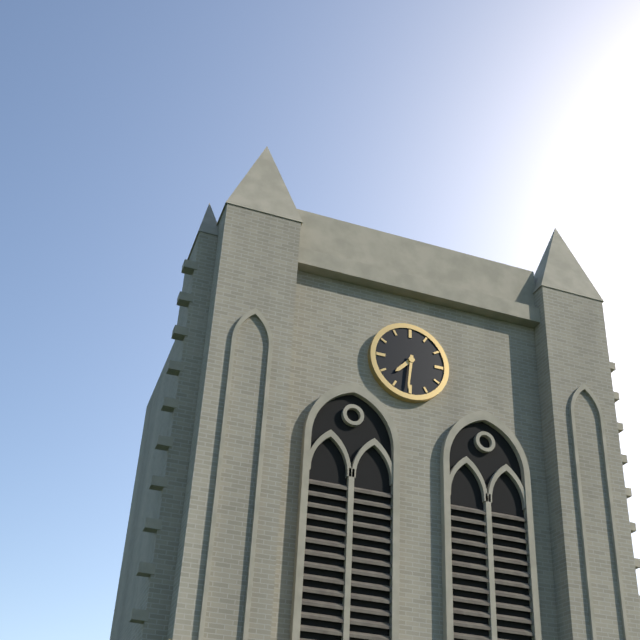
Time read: 7:31
